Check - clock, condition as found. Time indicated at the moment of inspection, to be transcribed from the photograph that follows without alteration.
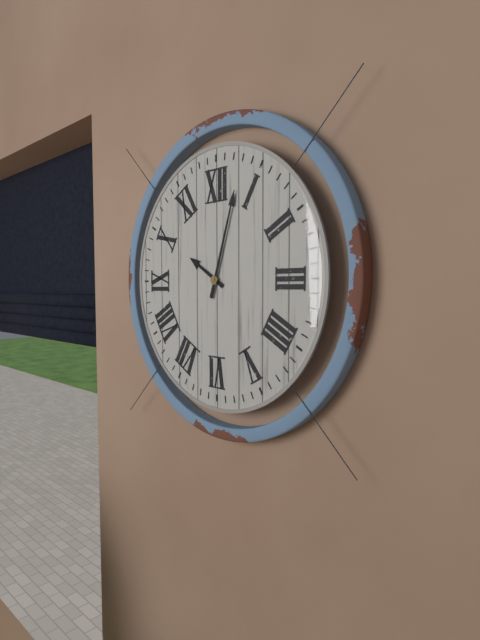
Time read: 10:03
